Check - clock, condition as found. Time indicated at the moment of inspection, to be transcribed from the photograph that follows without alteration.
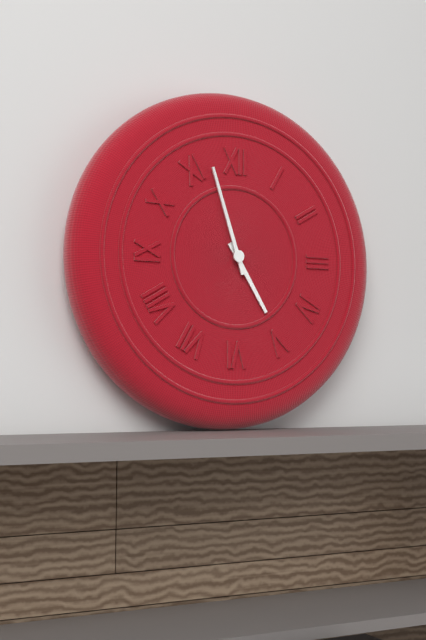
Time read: 4:57
